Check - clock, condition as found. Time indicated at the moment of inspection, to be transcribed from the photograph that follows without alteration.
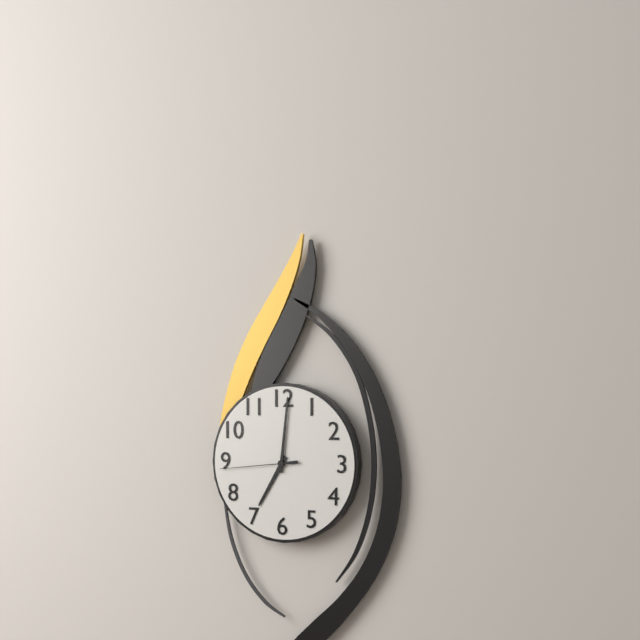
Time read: 7:01:44
